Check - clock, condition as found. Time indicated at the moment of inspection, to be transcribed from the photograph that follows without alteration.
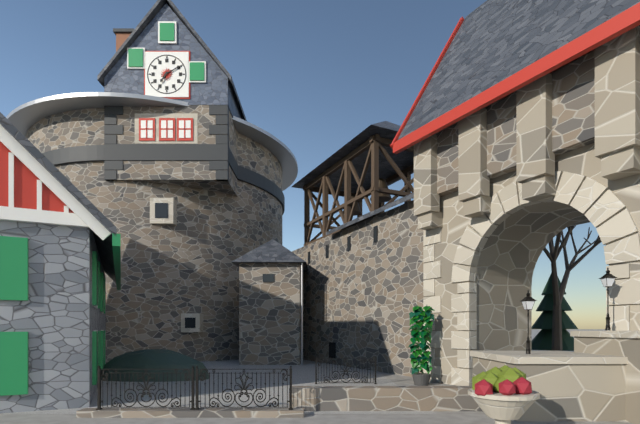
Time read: 7:10
